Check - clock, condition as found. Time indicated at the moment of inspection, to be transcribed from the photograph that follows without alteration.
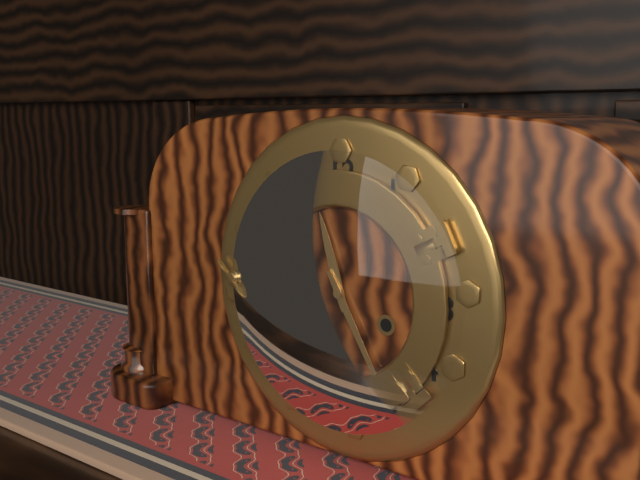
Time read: 11:25
